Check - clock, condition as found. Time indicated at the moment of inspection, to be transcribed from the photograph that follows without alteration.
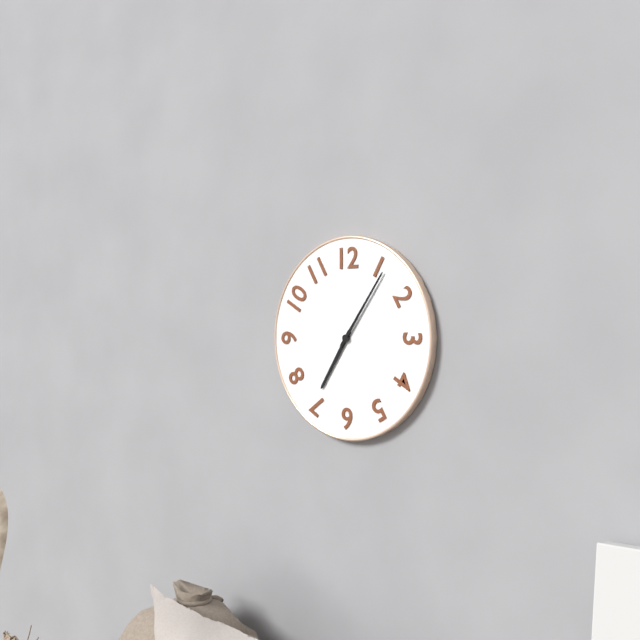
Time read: 7:06
